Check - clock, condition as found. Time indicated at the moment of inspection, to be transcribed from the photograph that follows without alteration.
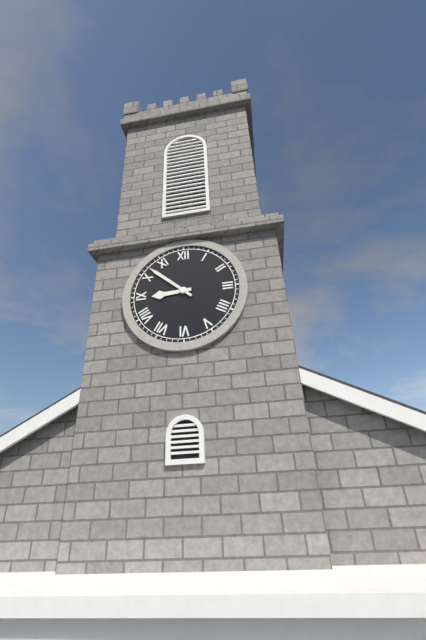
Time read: 8:52
